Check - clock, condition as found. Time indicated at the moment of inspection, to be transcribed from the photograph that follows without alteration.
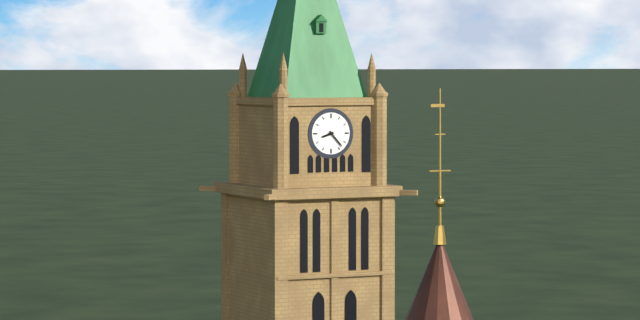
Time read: 8:23
